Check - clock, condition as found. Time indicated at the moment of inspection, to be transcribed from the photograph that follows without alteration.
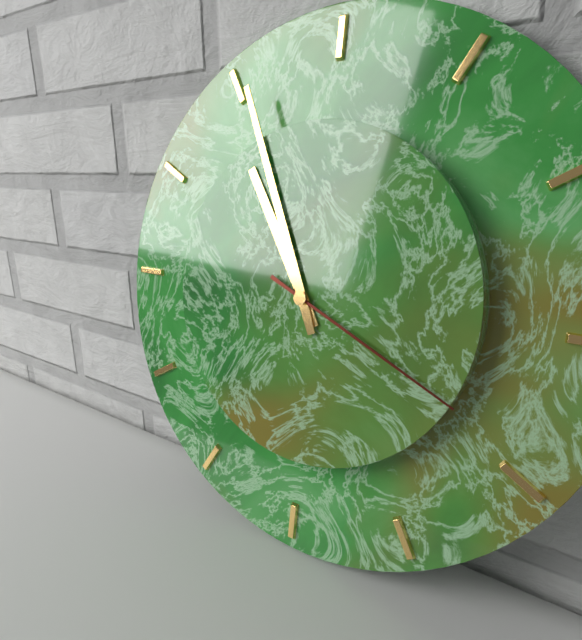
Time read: 10:56:19
